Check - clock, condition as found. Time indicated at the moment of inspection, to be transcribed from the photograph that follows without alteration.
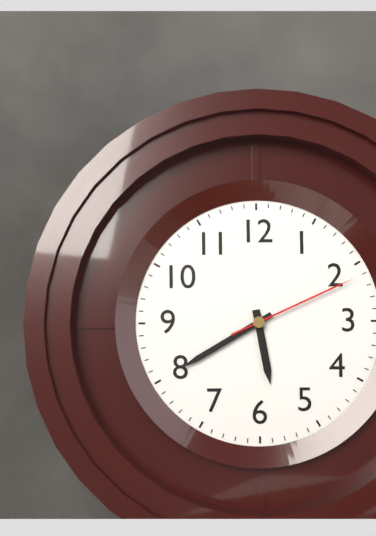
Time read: 5:40:11
